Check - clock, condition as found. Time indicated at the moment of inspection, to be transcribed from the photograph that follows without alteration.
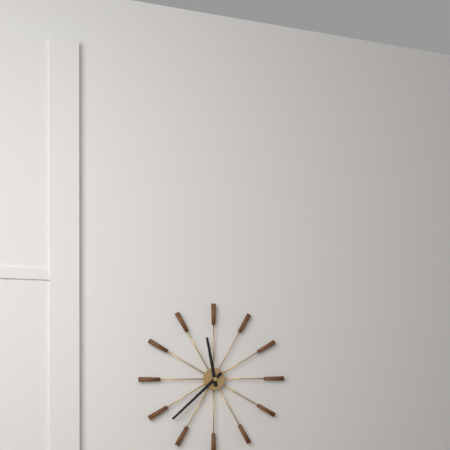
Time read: 11:38
